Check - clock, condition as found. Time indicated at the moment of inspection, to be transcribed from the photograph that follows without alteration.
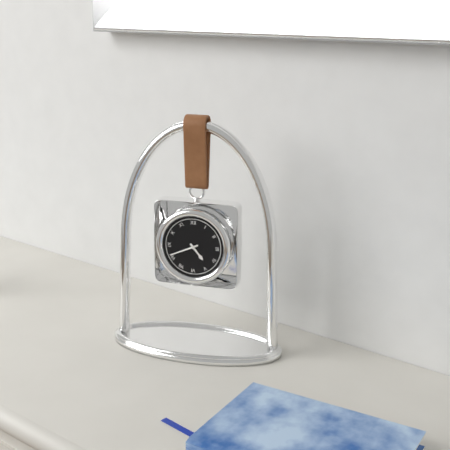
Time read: 4:41
